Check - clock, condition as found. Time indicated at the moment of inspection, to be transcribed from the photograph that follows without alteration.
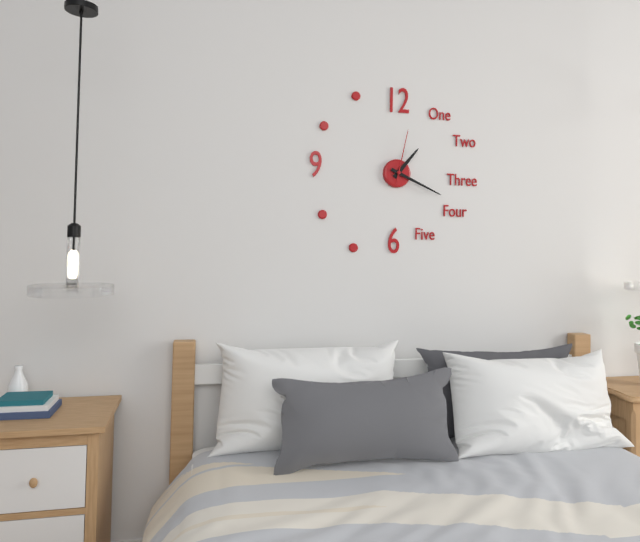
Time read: 1:19:02
